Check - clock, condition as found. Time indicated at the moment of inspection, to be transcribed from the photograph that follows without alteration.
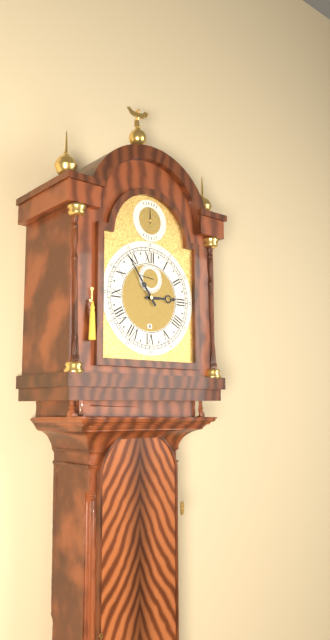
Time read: 2:54
